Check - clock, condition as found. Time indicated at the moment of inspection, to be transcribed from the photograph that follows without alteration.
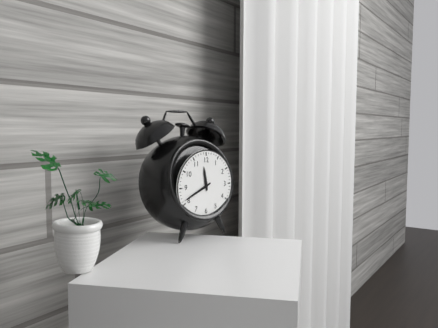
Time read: 11:41
